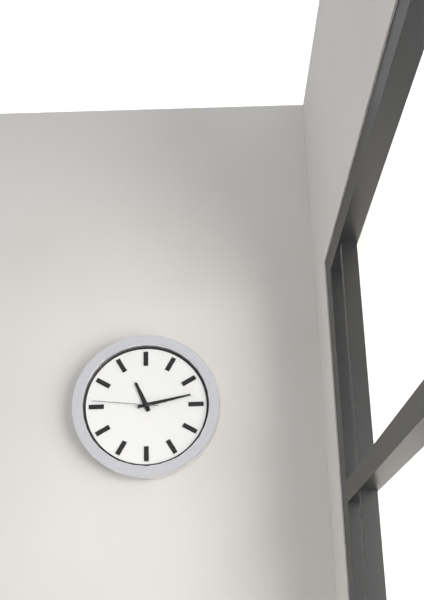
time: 11:13:46
